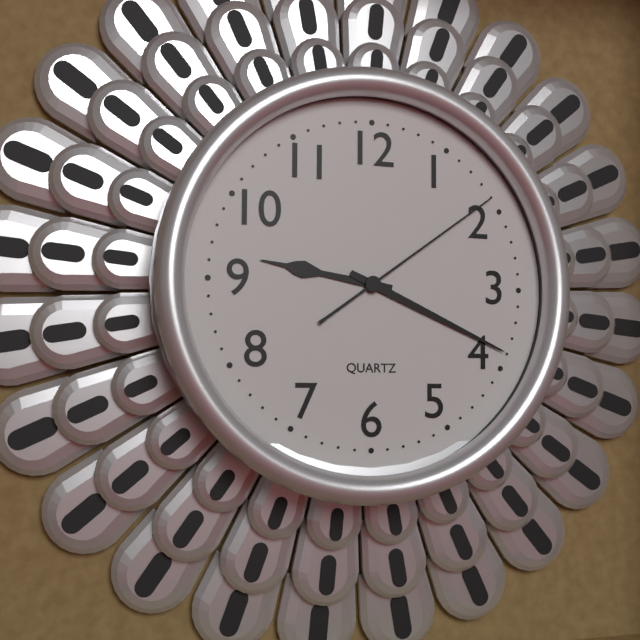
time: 9:19:09
